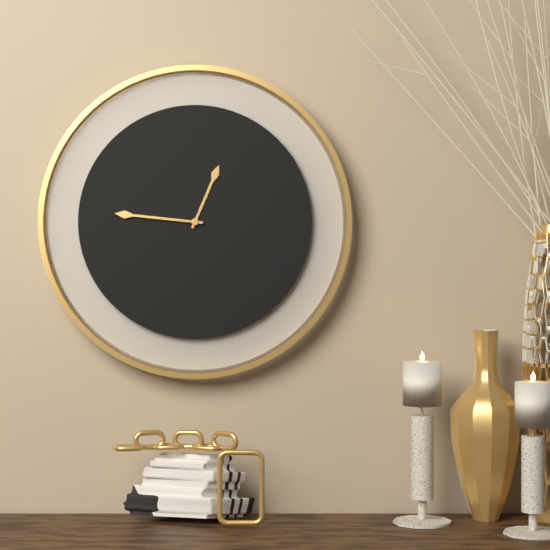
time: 12:46
